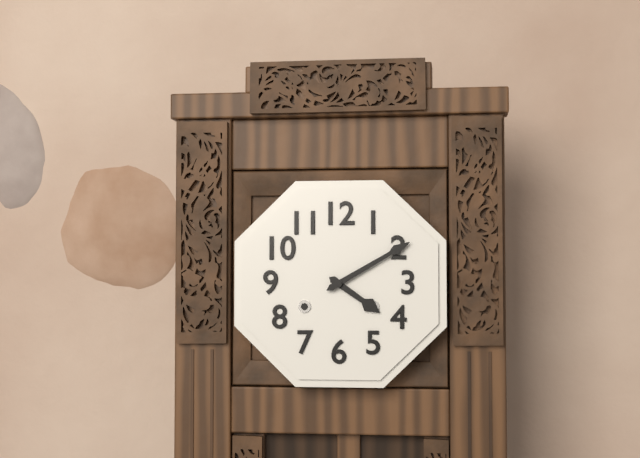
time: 4:10
